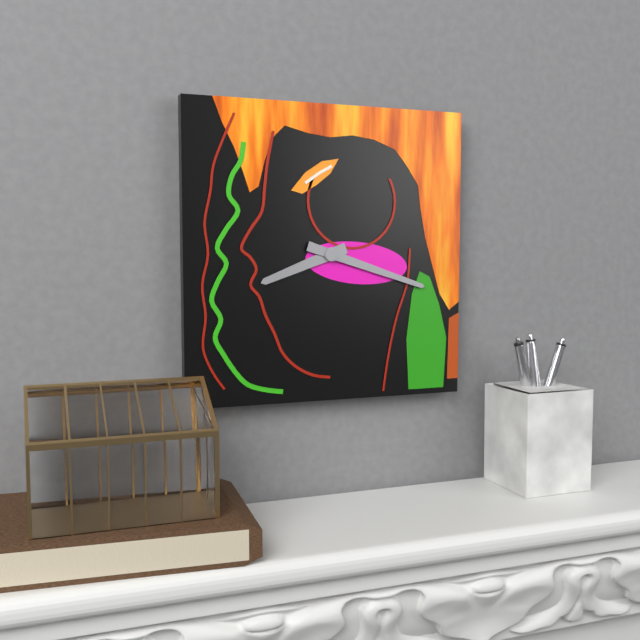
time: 8:18
